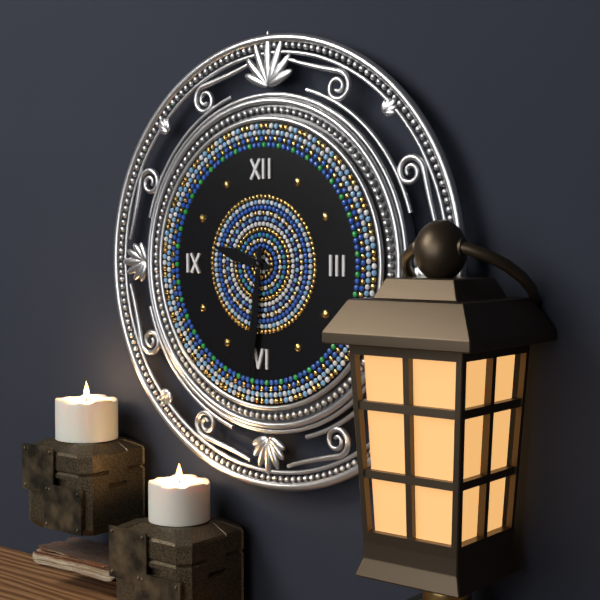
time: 9:31
